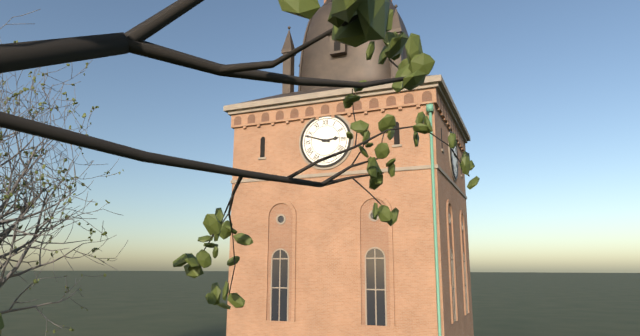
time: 2:48
